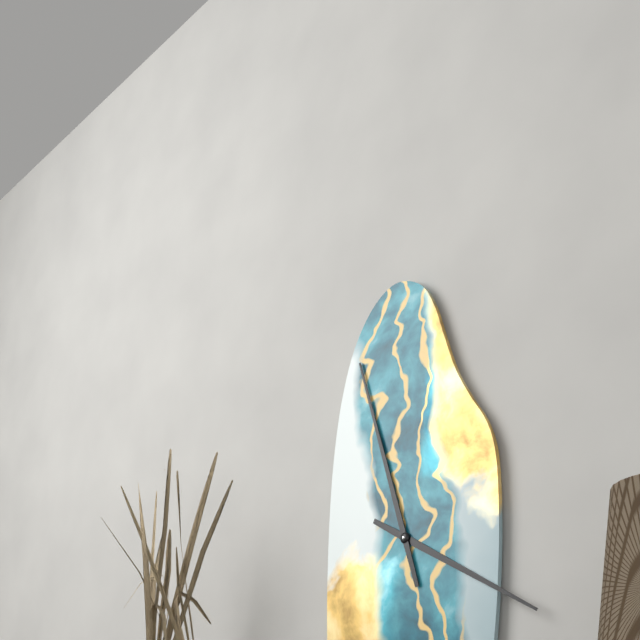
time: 3:57
